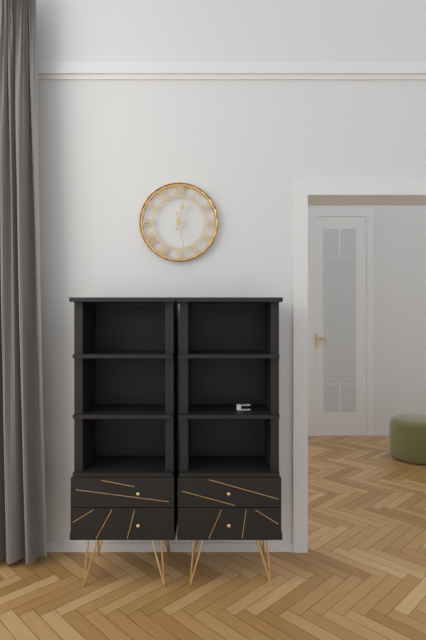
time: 12:28
